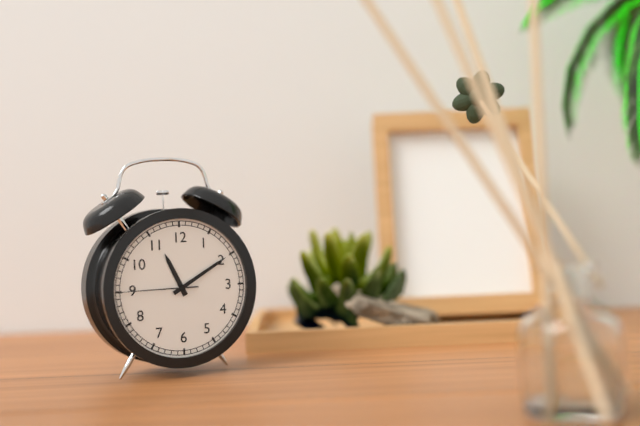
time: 11:10:45
